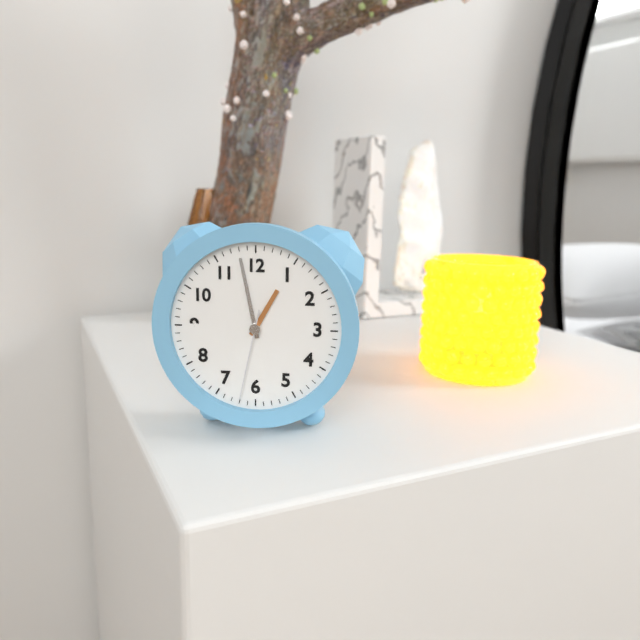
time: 12:58:32
